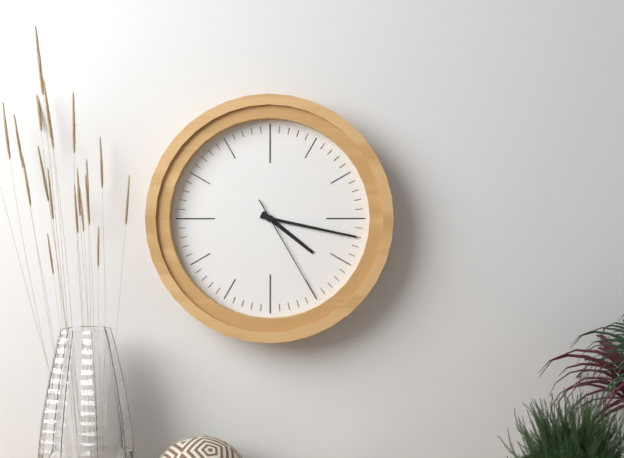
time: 4:17:25
